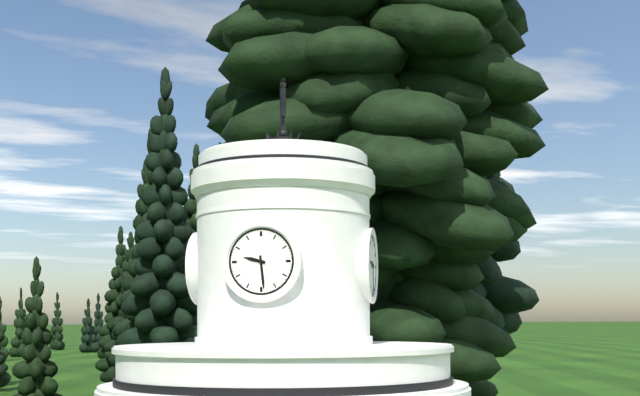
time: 9:29
